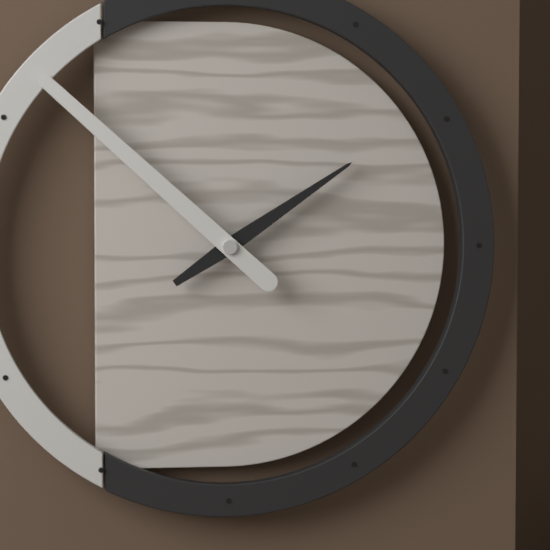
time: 1:52
